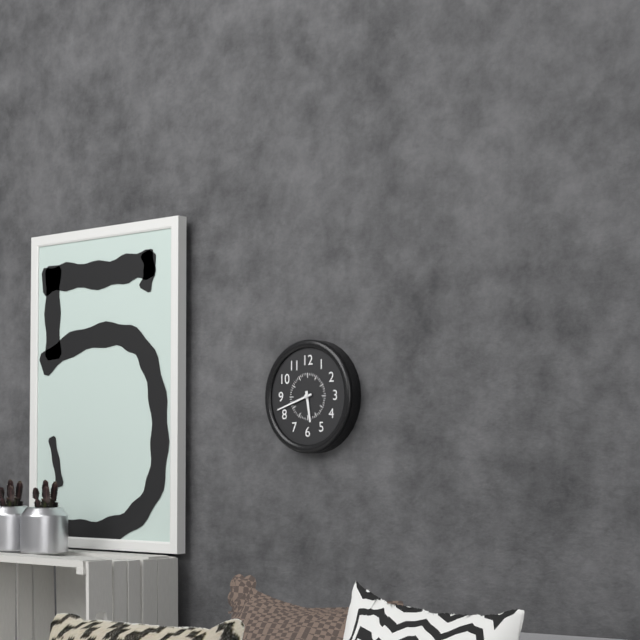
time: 5:42
